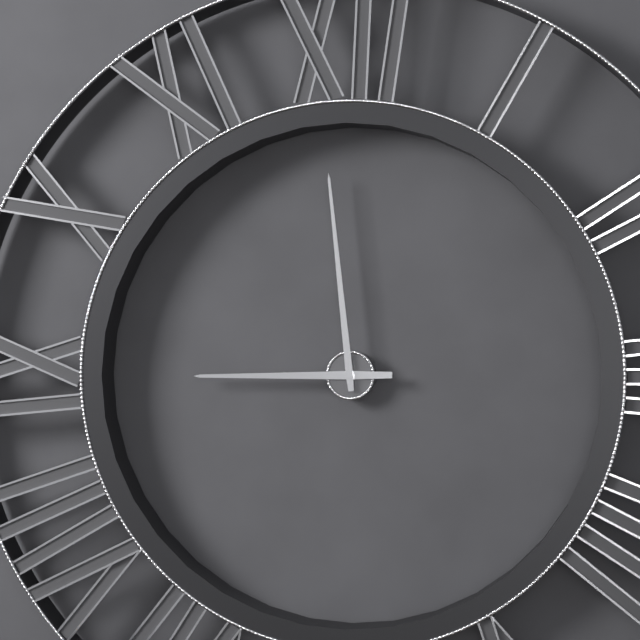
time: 8:59
